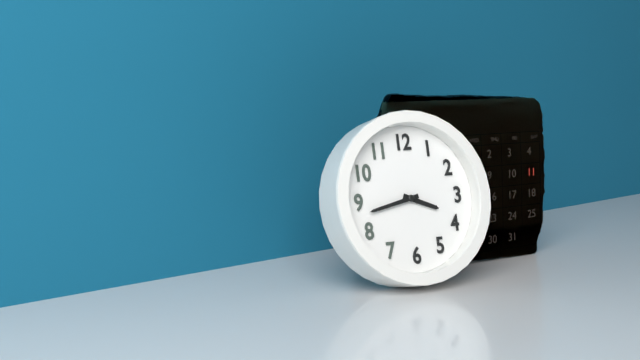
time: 3:43
